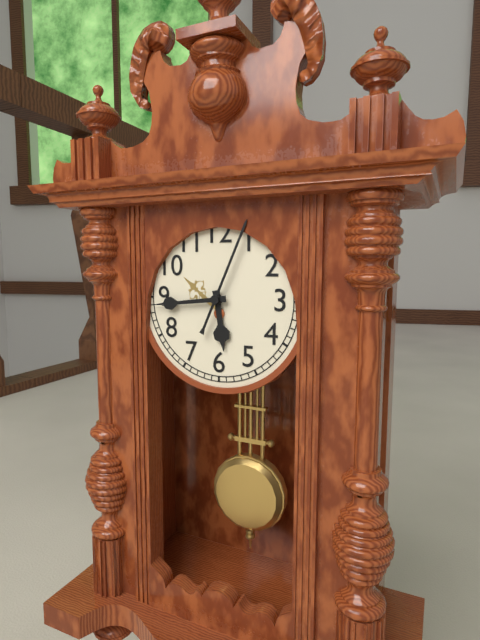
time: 5:44:04
